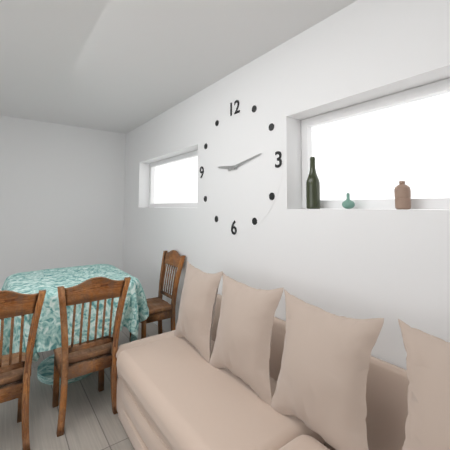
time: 9:13
